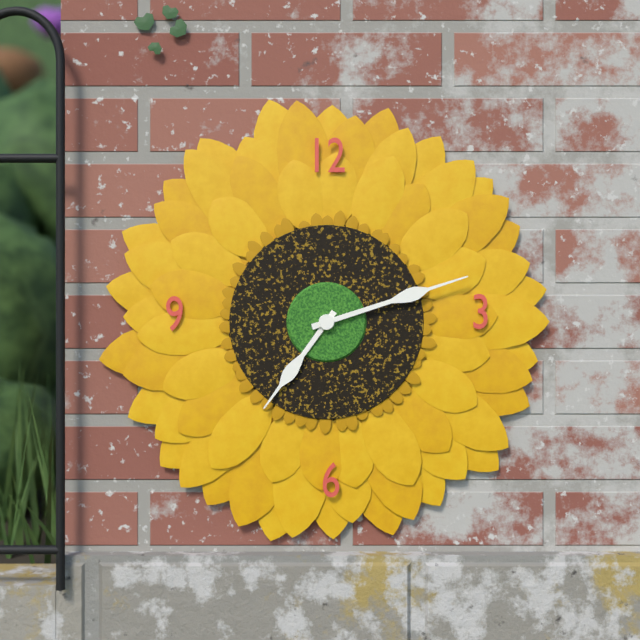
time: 7:12
